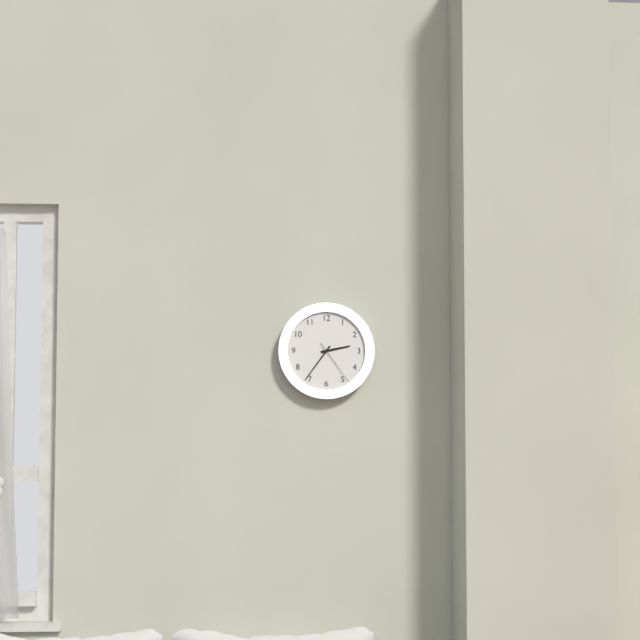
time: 2:36
